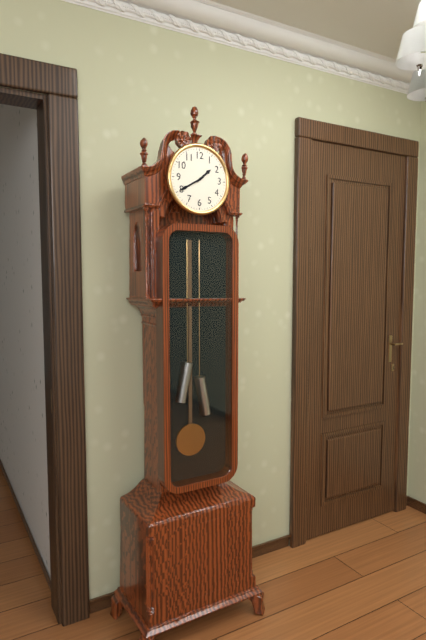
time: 1:40
